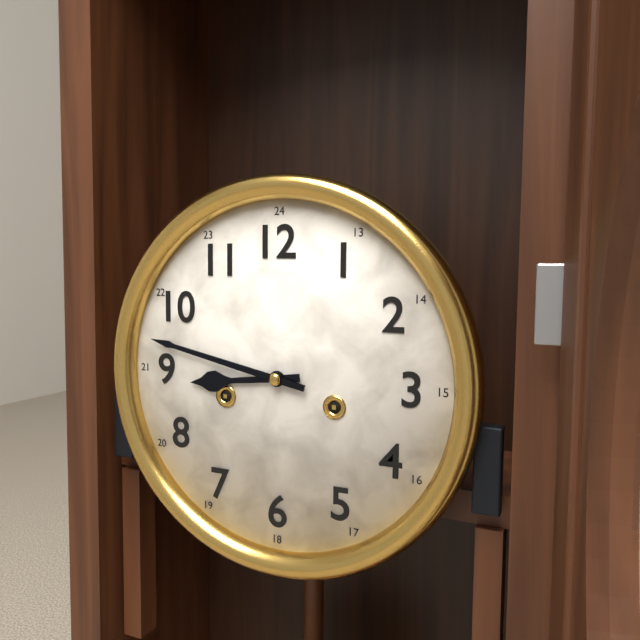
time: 8:47
